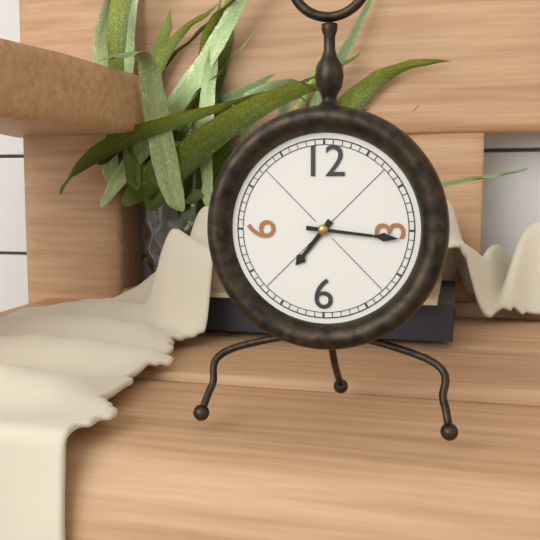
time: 7:16
